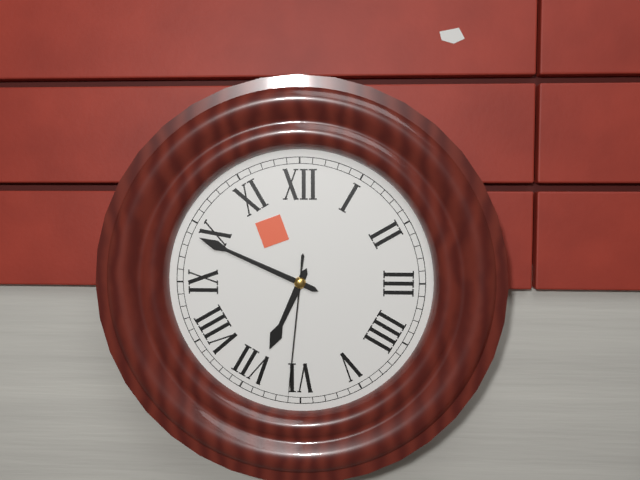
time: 6:49:31
